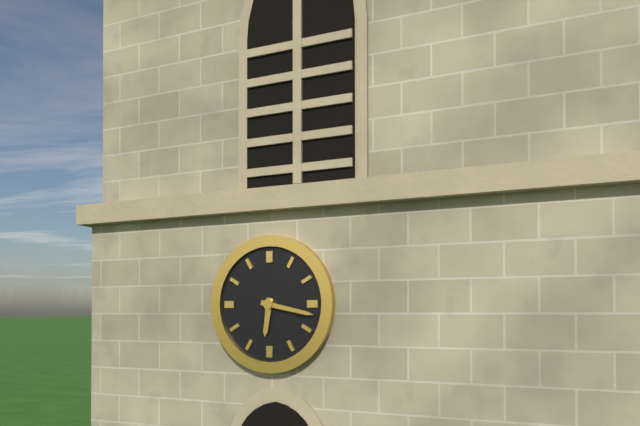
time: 6:17
